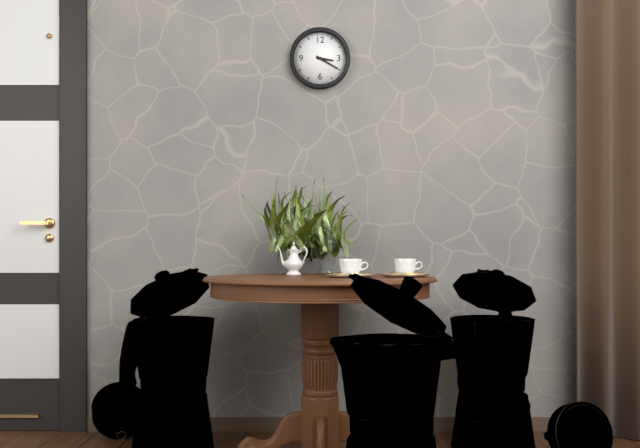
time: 3:20
